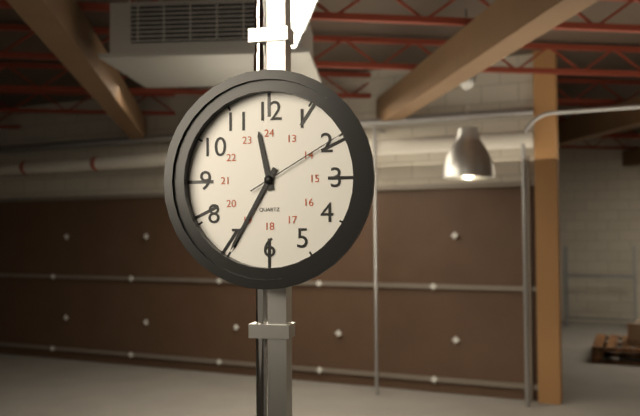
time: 11:35:10
